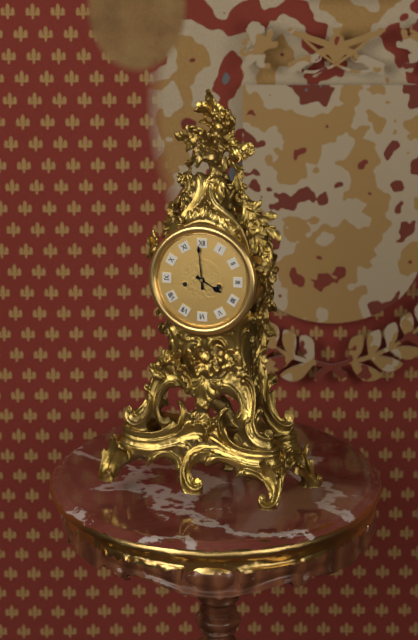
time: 3:59
